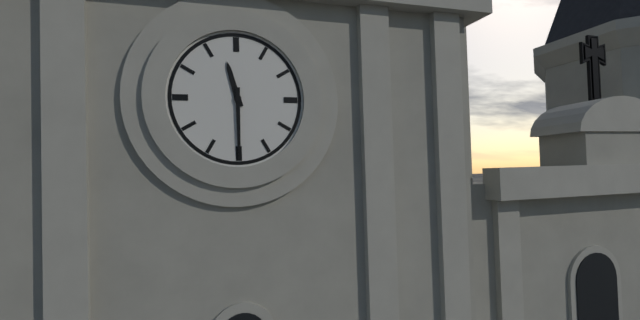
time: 11:30
